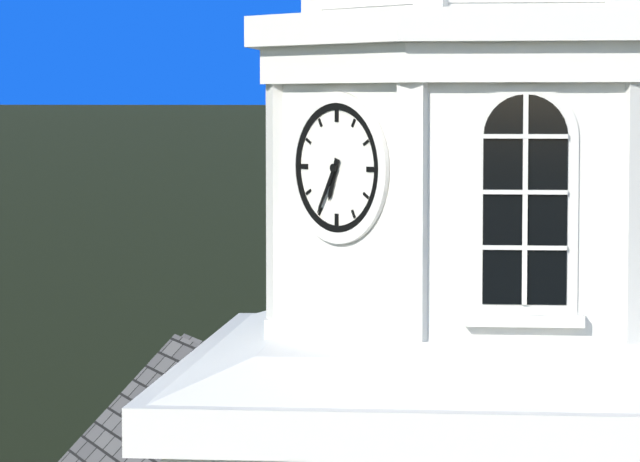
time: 6:35
